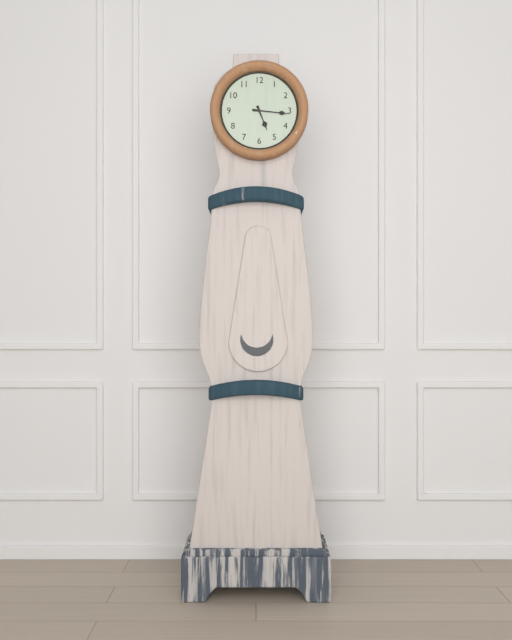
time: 5:16
